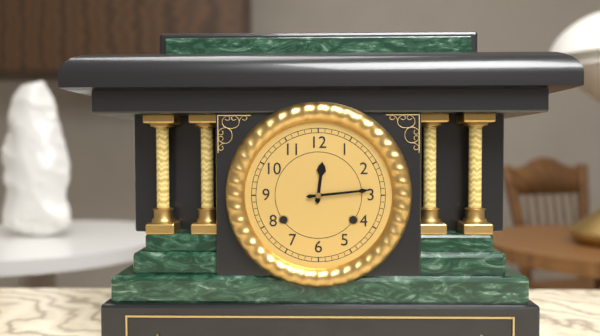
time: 12:14
